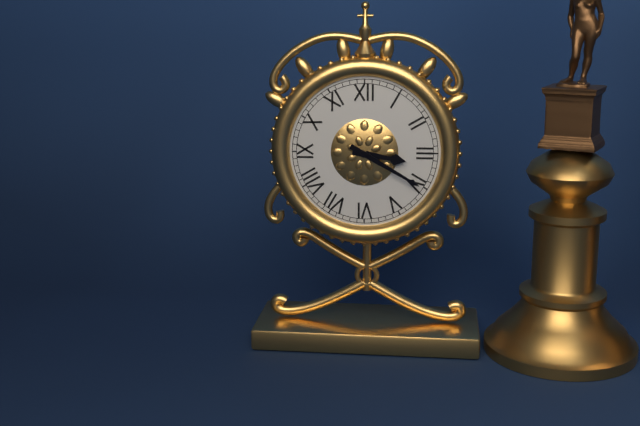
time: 3:20
